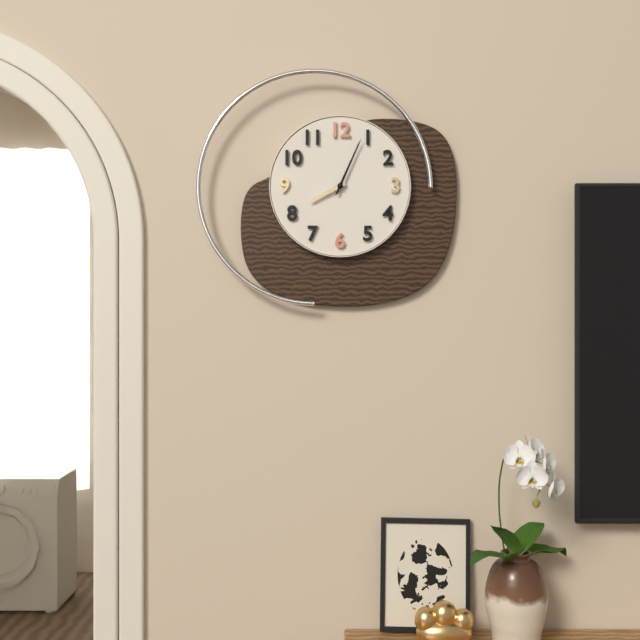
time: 8:04
